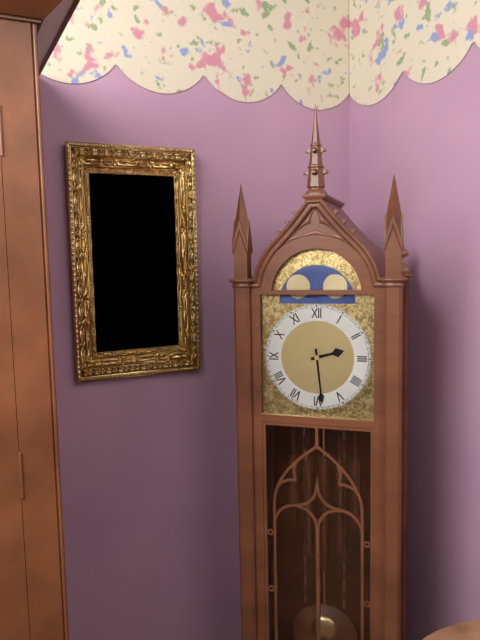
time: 2:29
